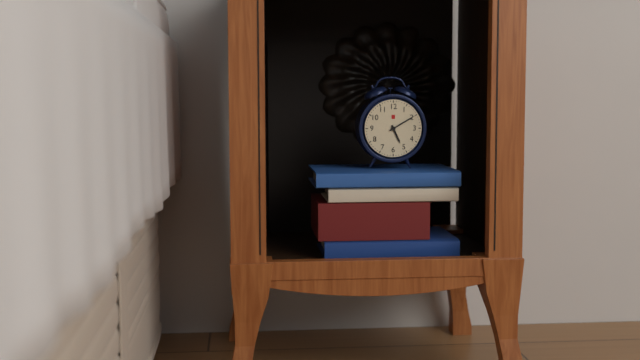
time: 5:10
